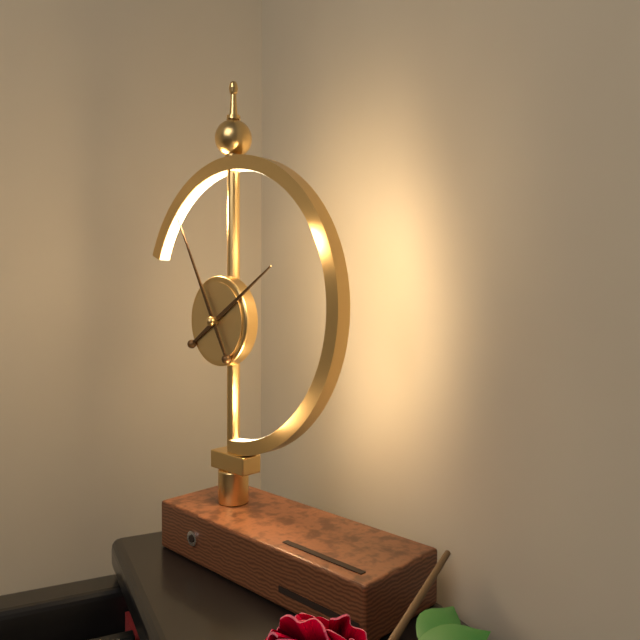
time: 1:55
